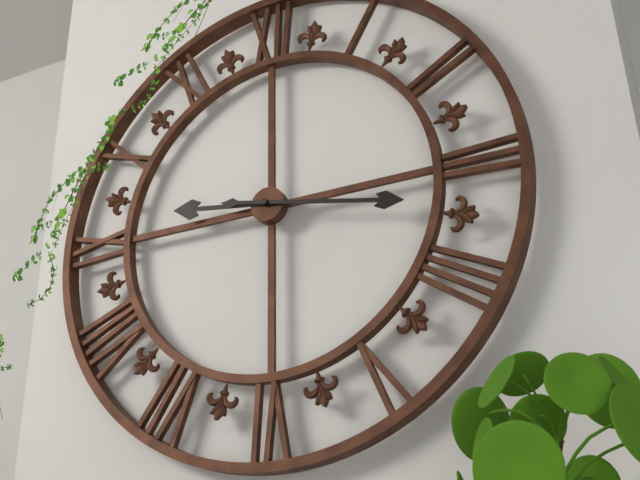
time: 9:17
